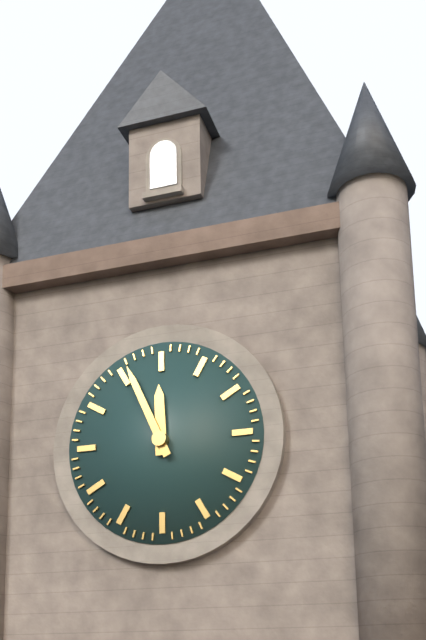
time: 11:56
